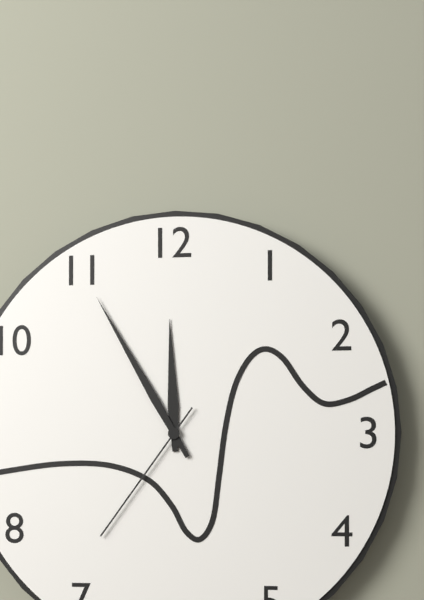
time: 11:55:36
